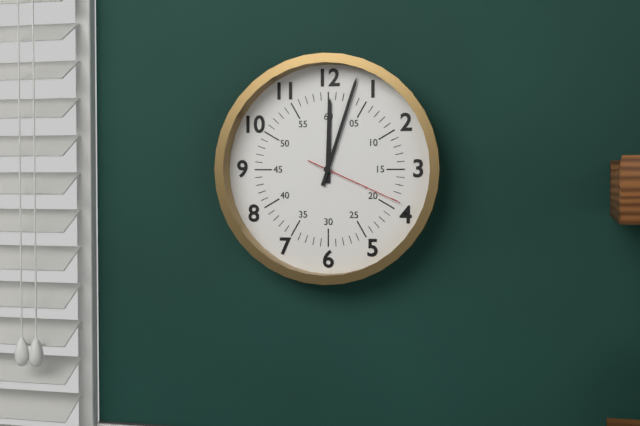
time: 12:03:19
